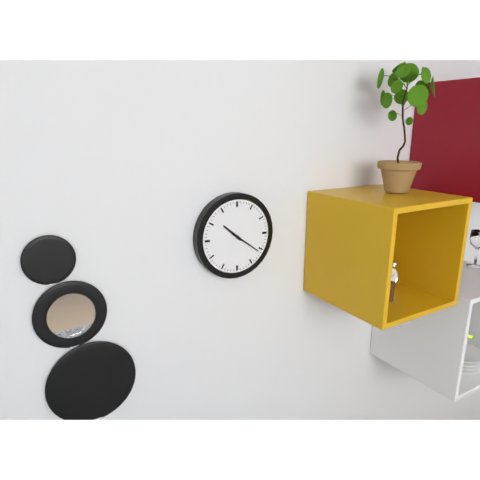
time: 10:21
